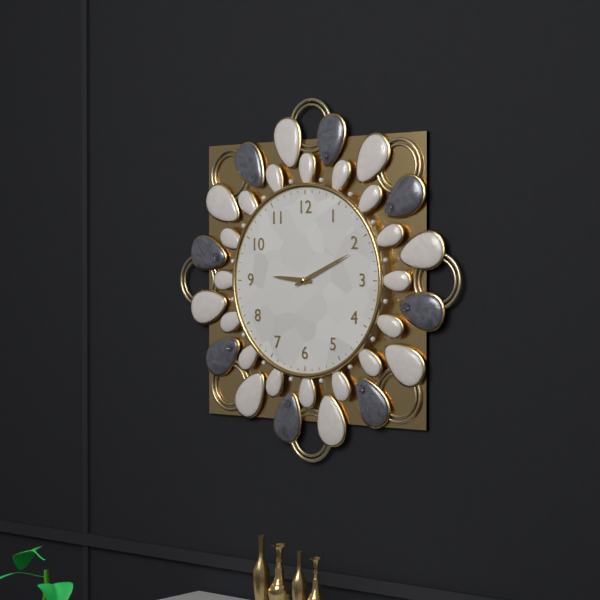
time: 9:11
